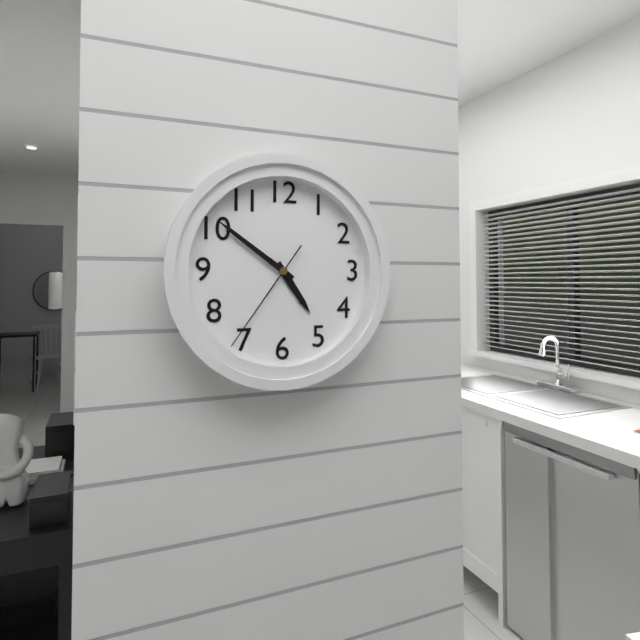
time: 4:51:36
